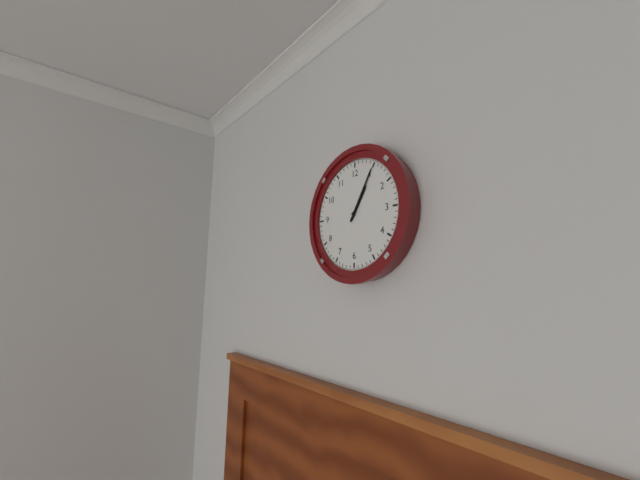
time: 1:05
